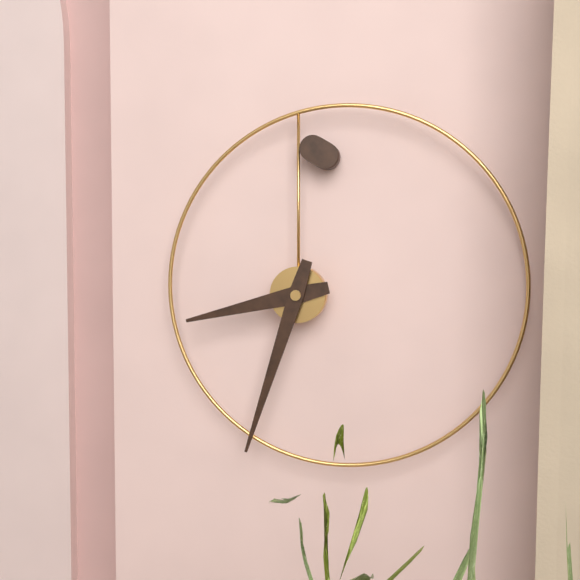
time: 8:33
